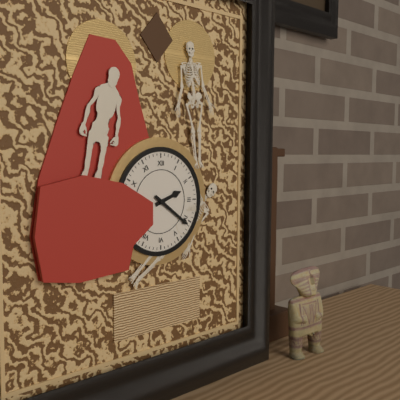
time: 2:21
